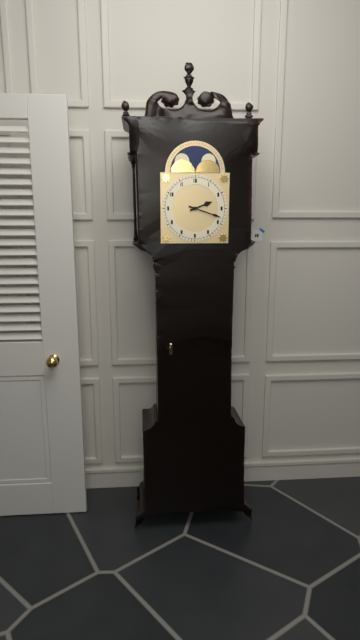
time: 2:18
